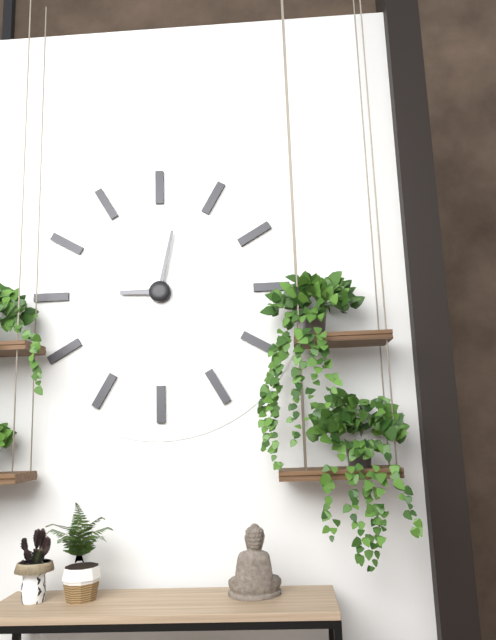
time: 9:02
